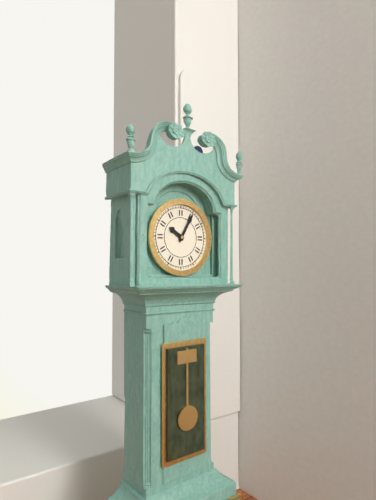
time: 10:05
